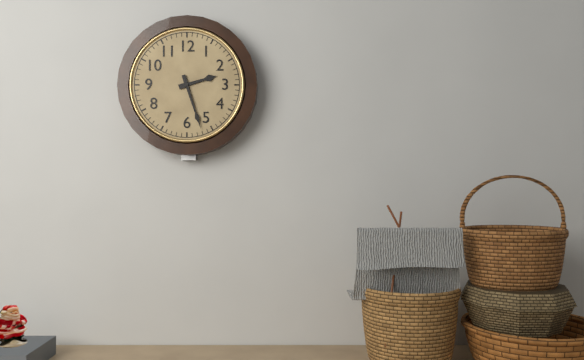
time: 2:27
